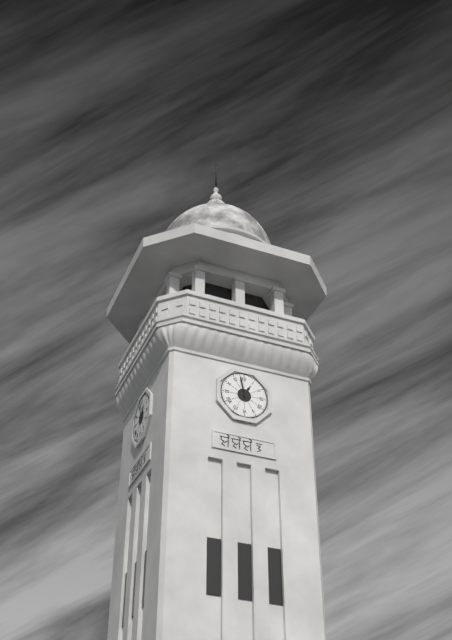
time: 12:58
